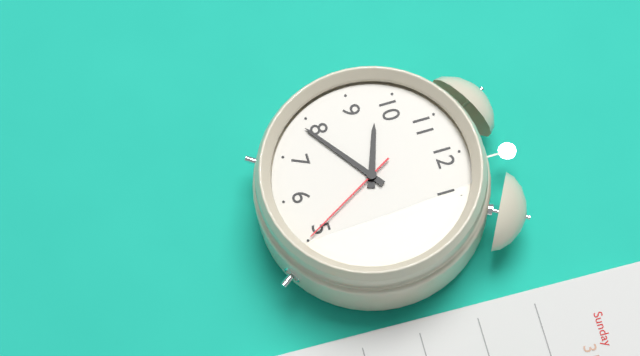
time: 9:39:25
